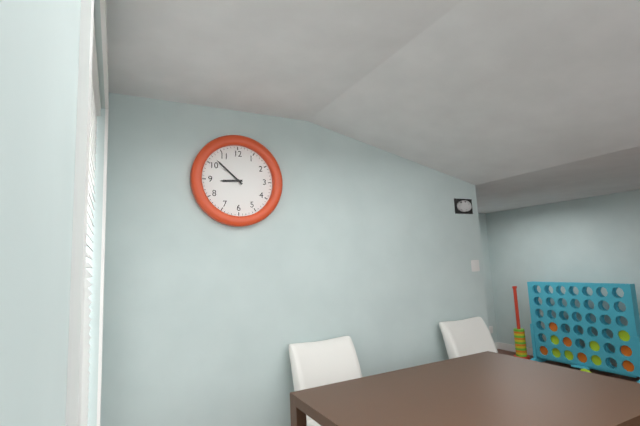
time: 8:52
